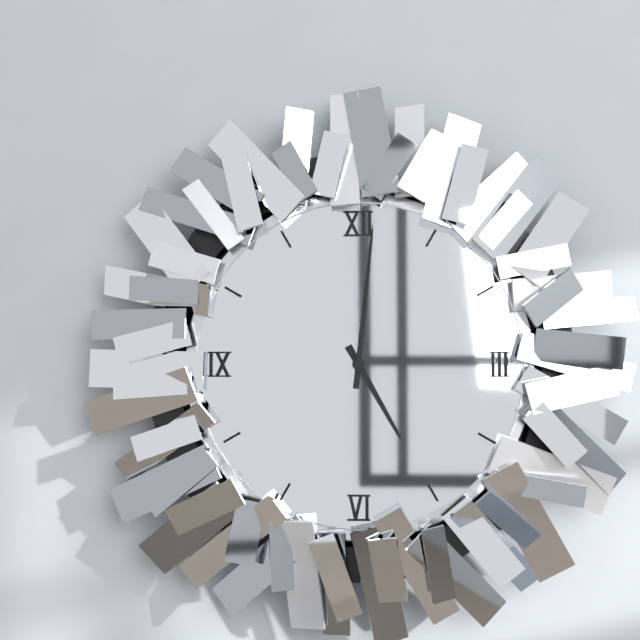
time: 5:01
